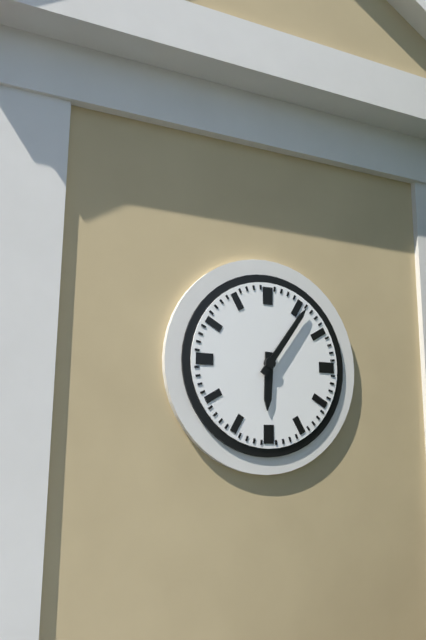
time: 6:06
